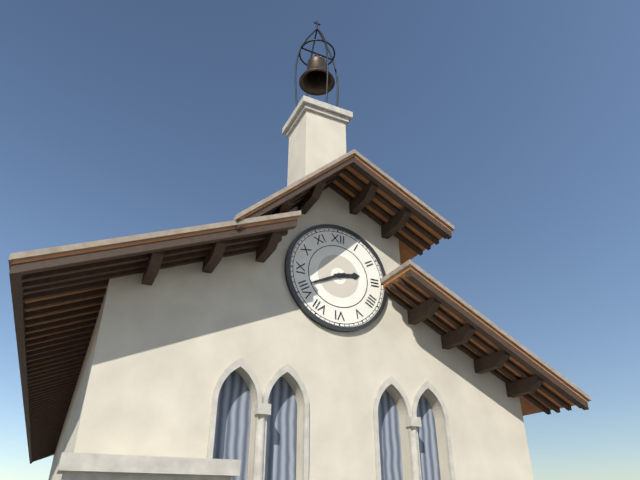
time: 2:41
